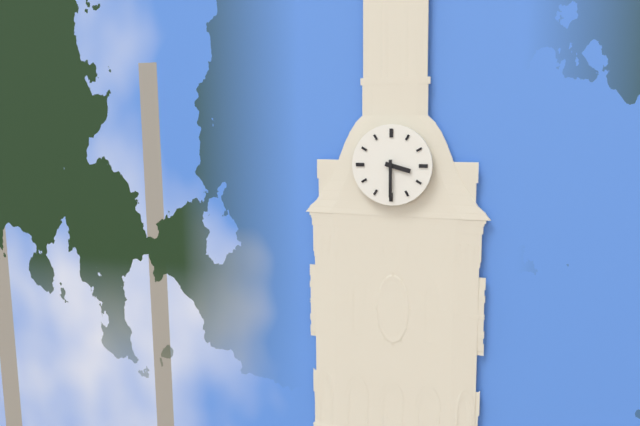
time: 3:30
